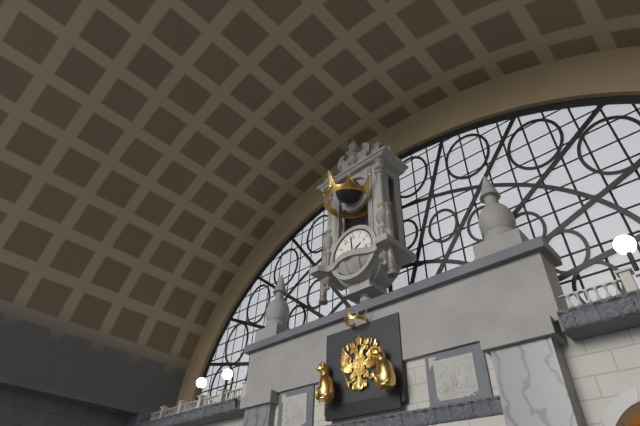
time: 1:59
